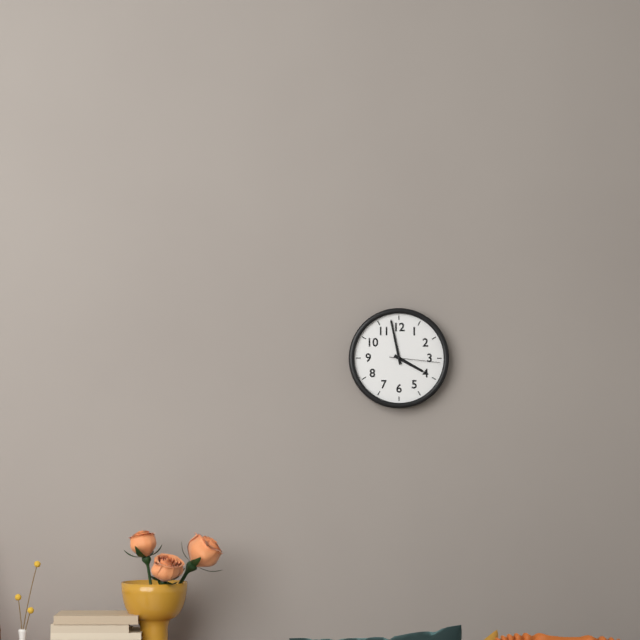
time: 3:58:16
